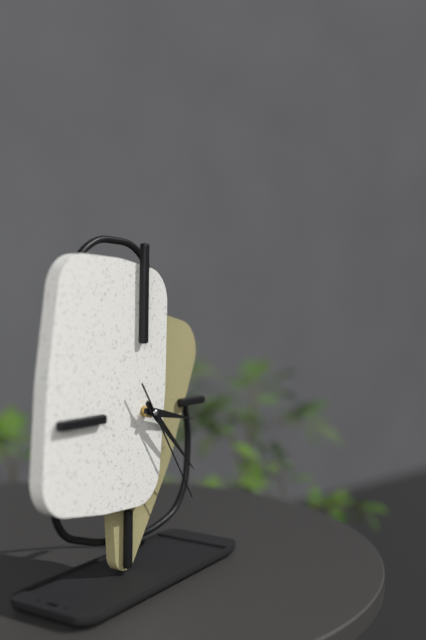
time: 3:22:24
